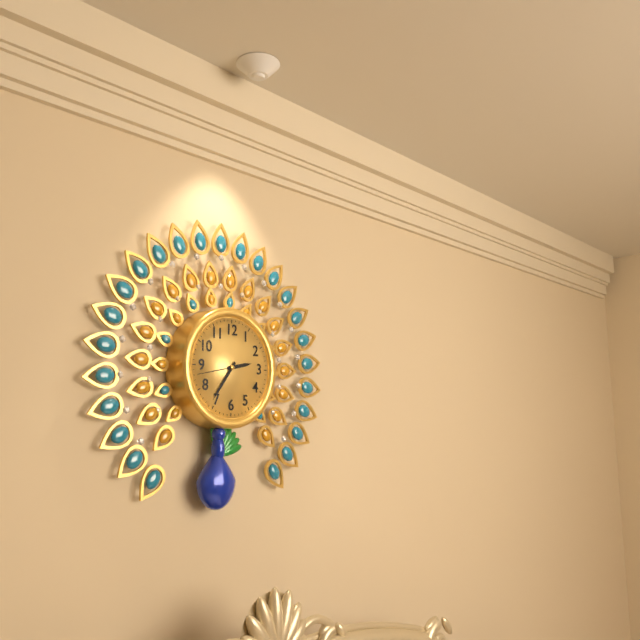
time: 2:36
